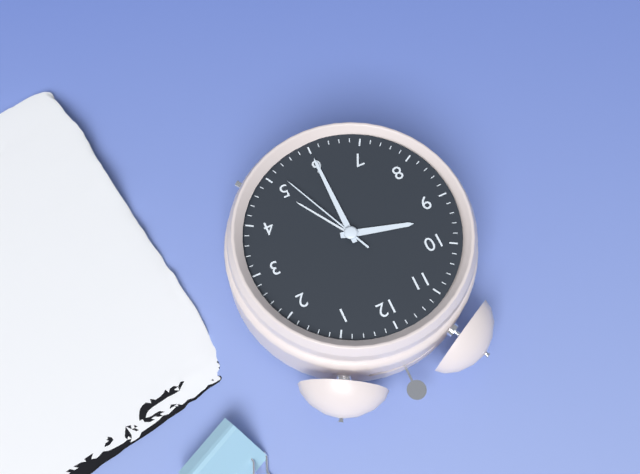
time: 9:30:26
